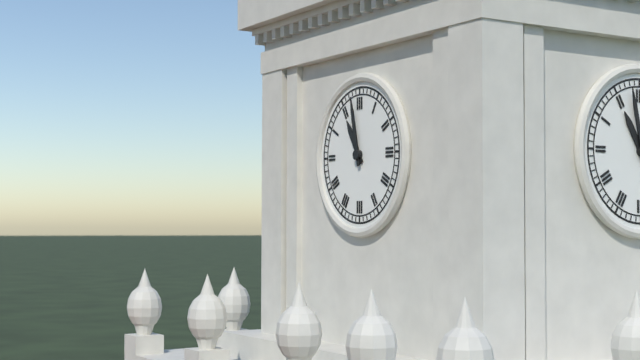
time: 10:58
